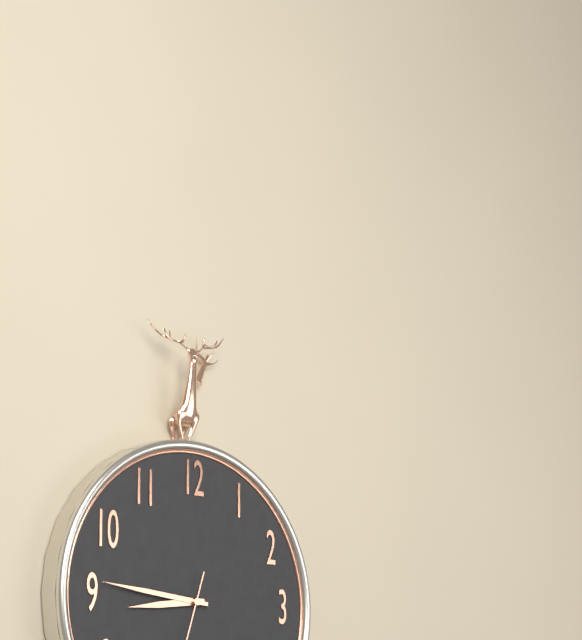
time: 8:46
